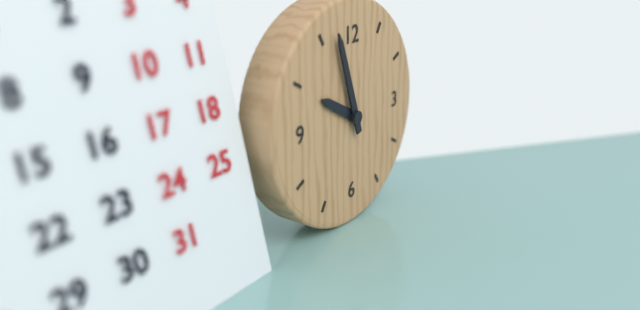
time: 9:57
